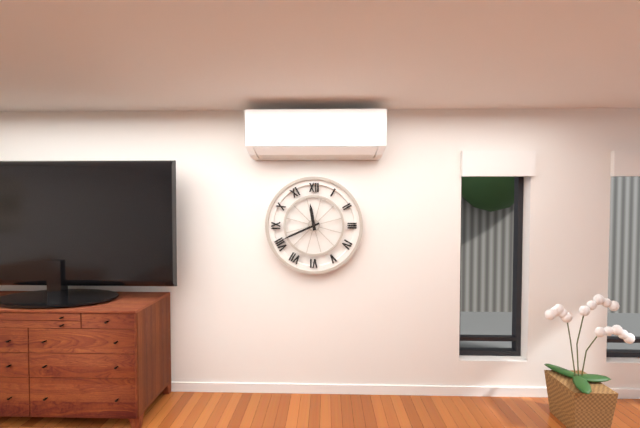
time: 11:41
